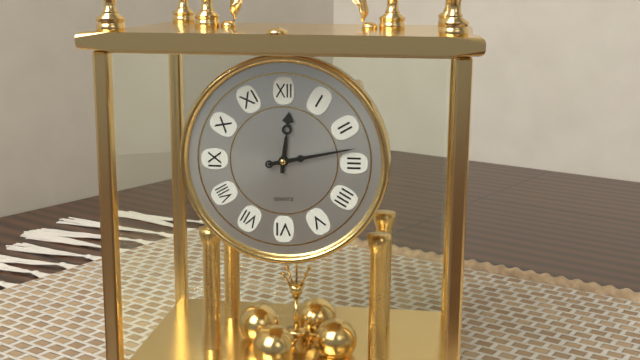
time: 12:13
